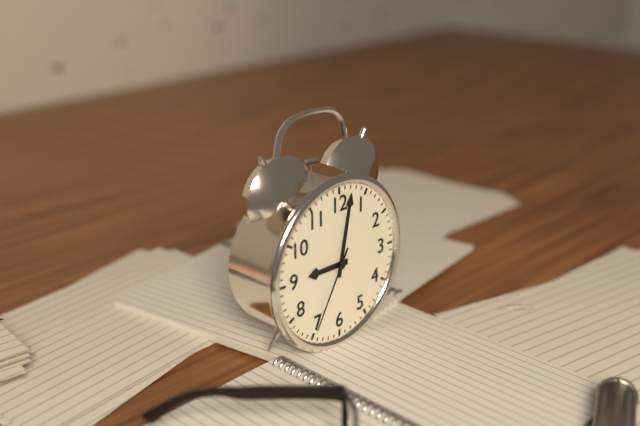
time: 9:02:35
